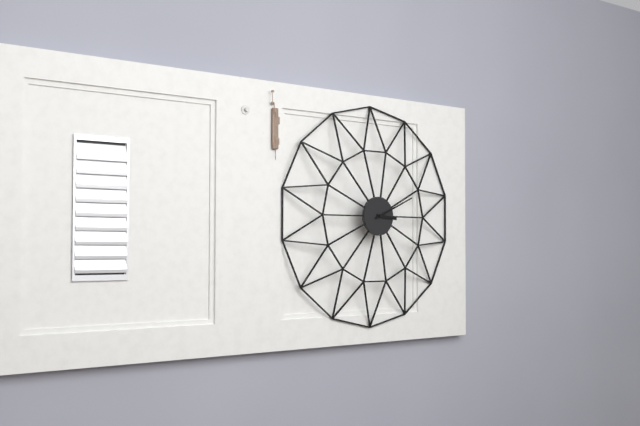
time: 3:11
